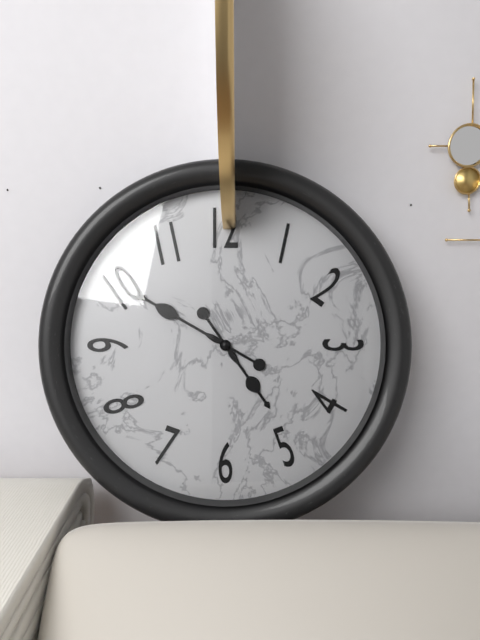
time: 4:50
